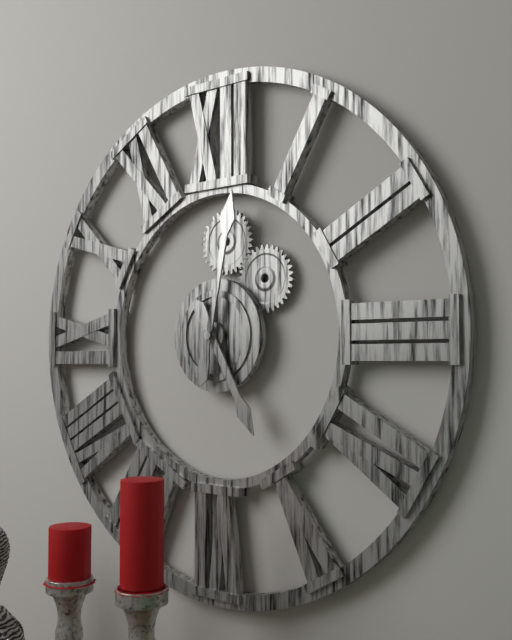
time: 5:02
